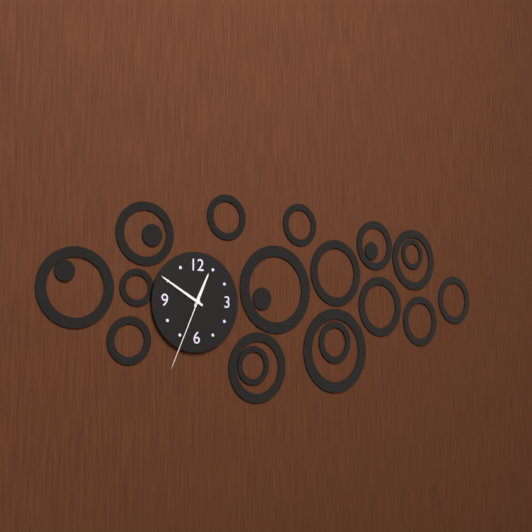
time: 12:50:34
